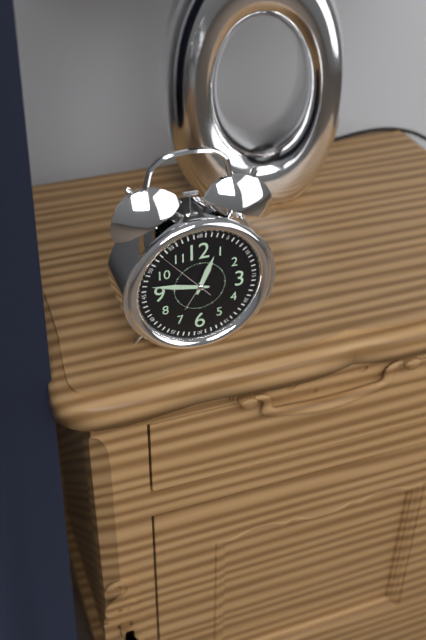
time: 12:47:53
